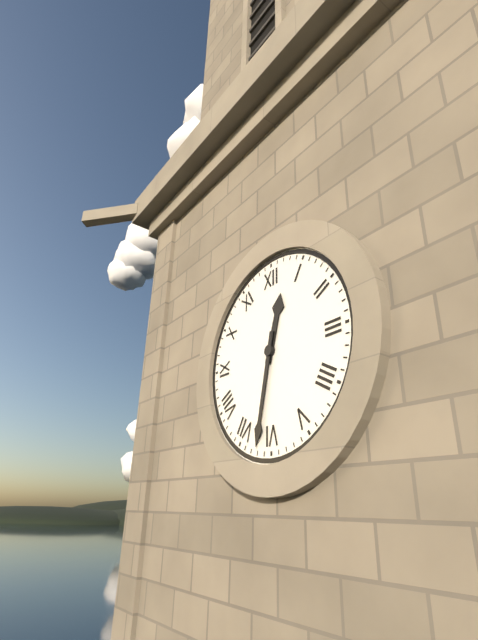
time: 12:32
